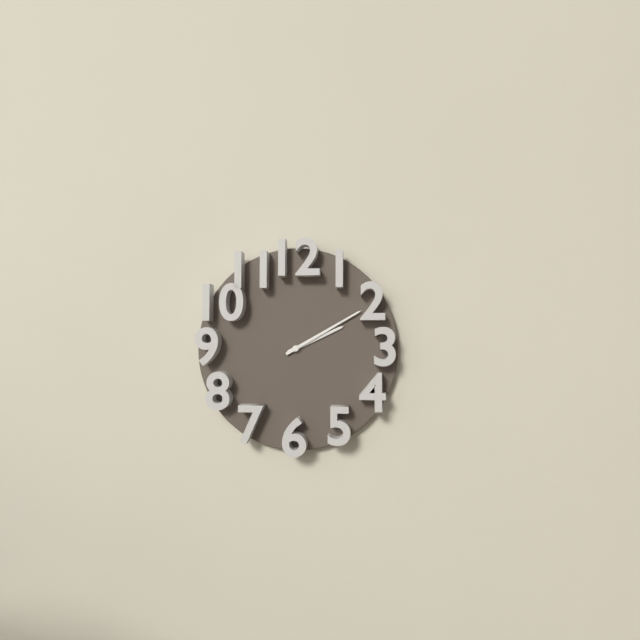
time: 2:10
